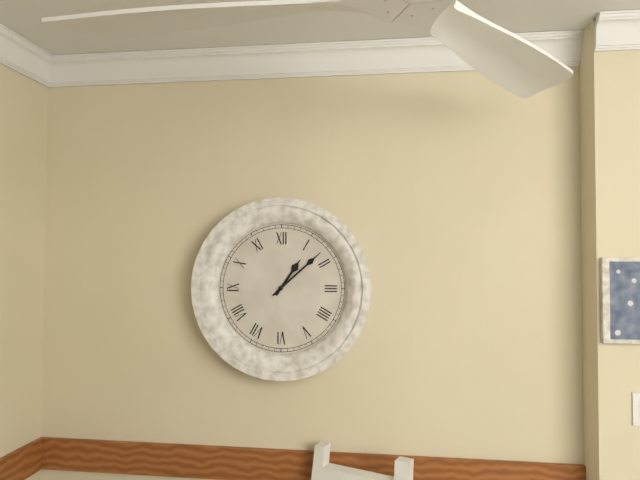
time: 1:08
